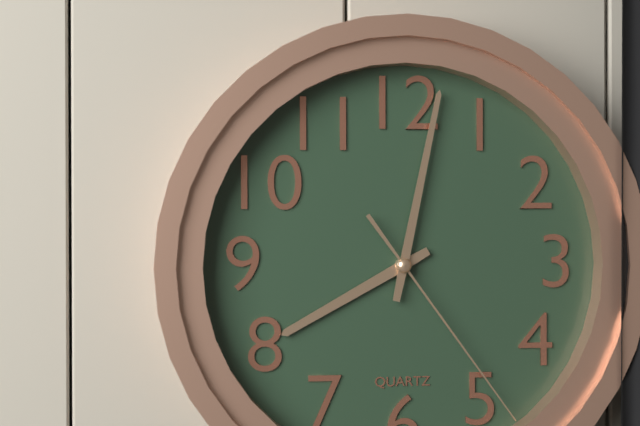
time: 8:02:24
